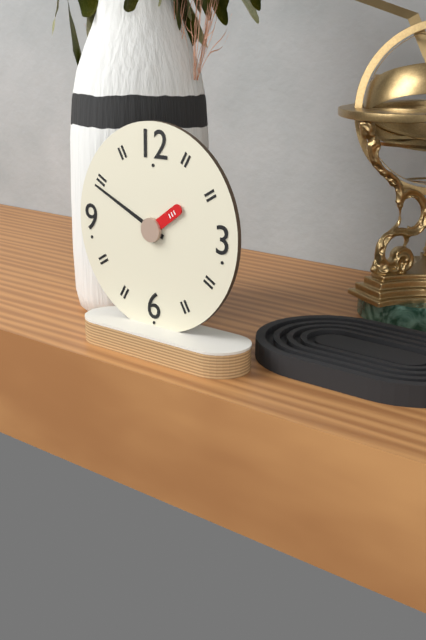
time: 1:49
